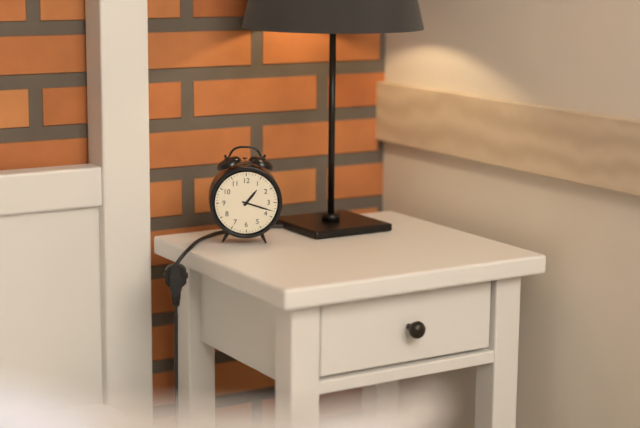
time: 1:18
